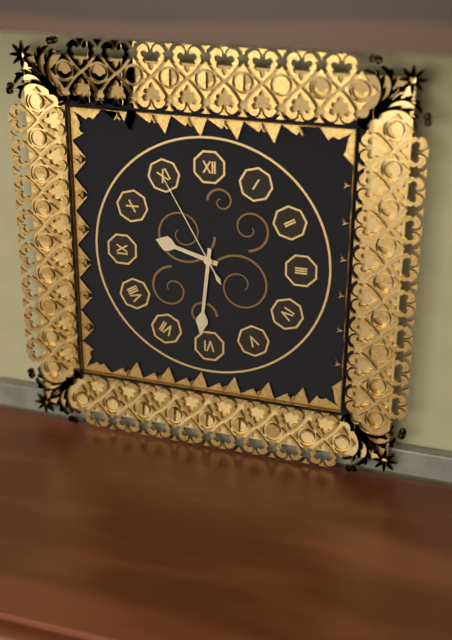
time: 9:31:55
